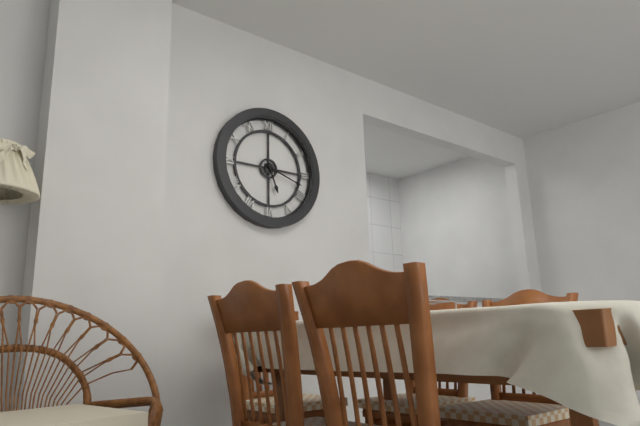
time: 5:18
